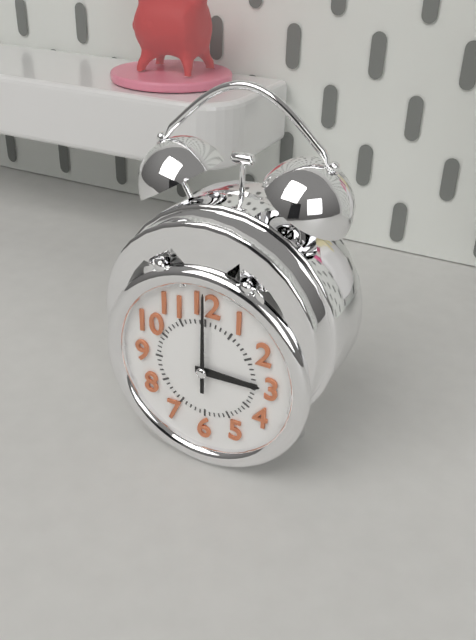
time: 3:00
